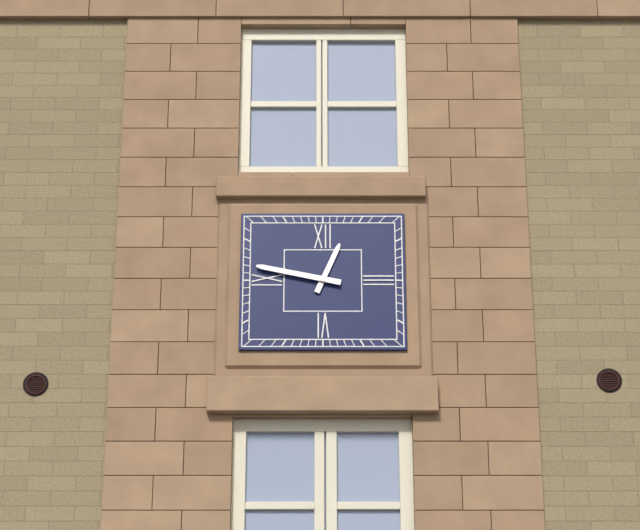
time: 12:47
